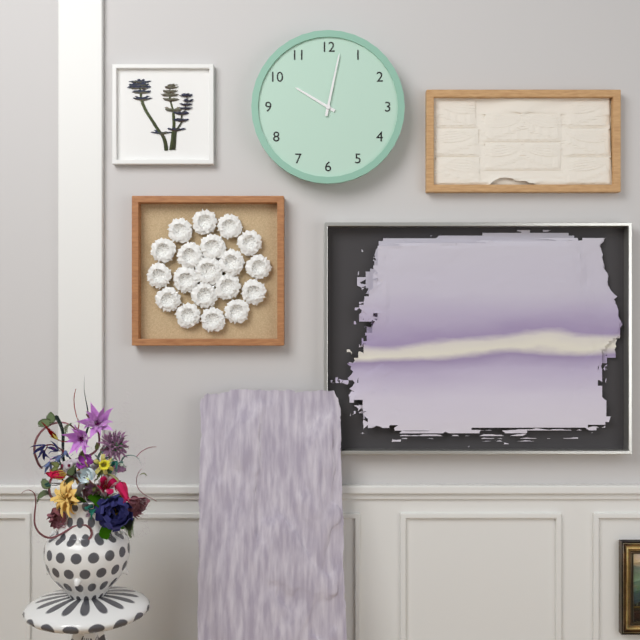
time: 10:02
